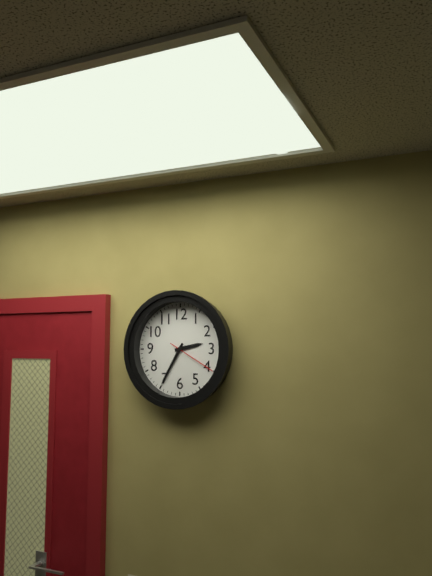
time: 2:35
